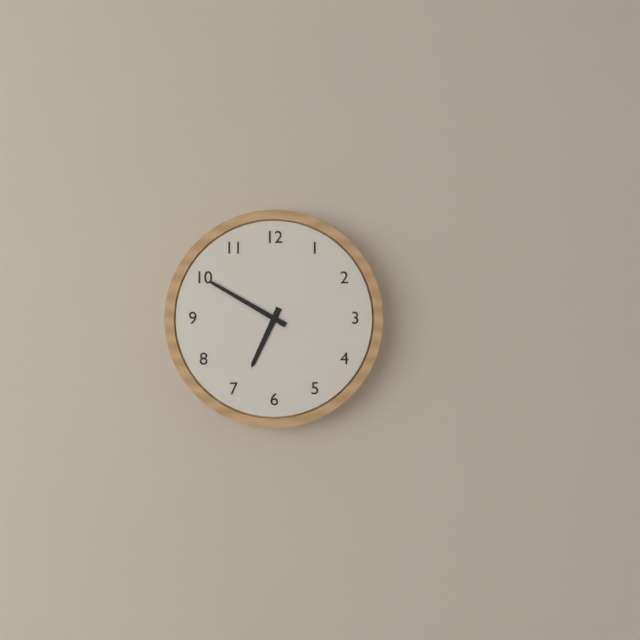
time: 6:50
